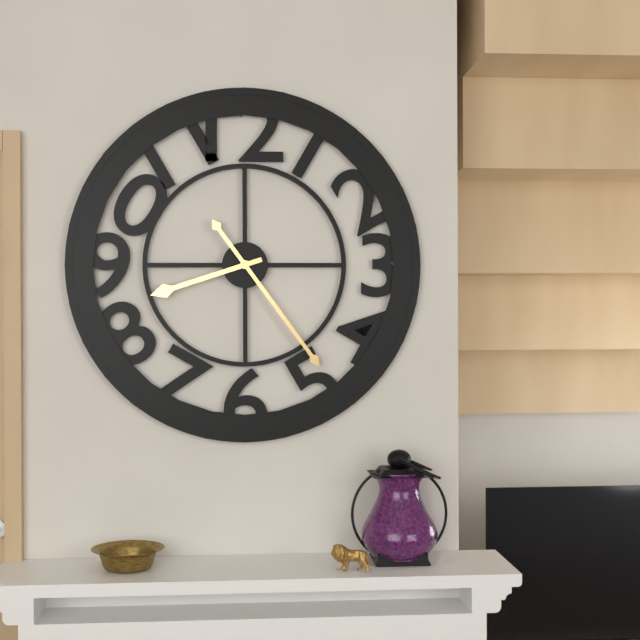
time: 8:24
